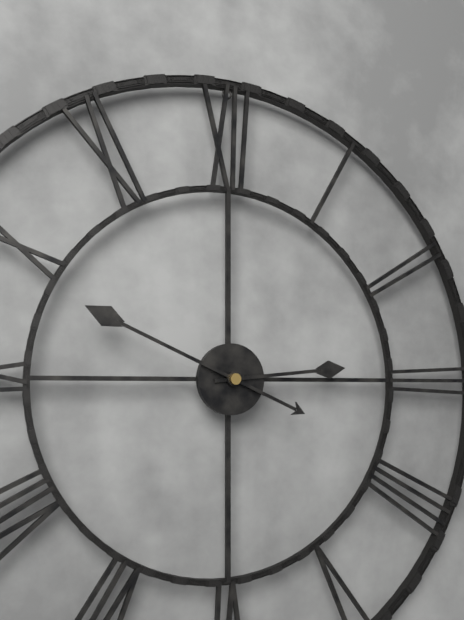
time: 2:49
